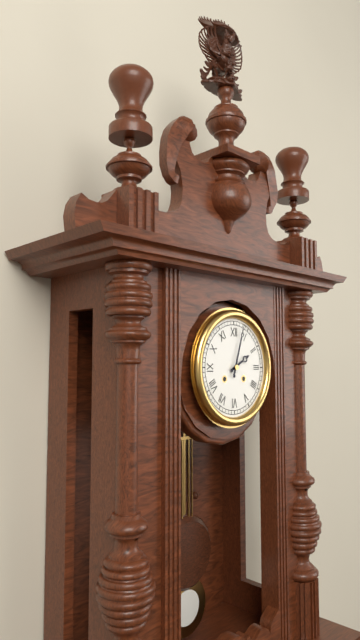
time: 2:03
